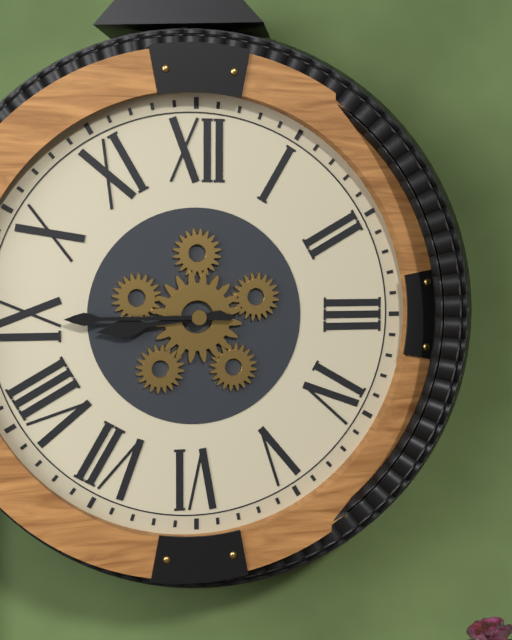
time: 8:45
